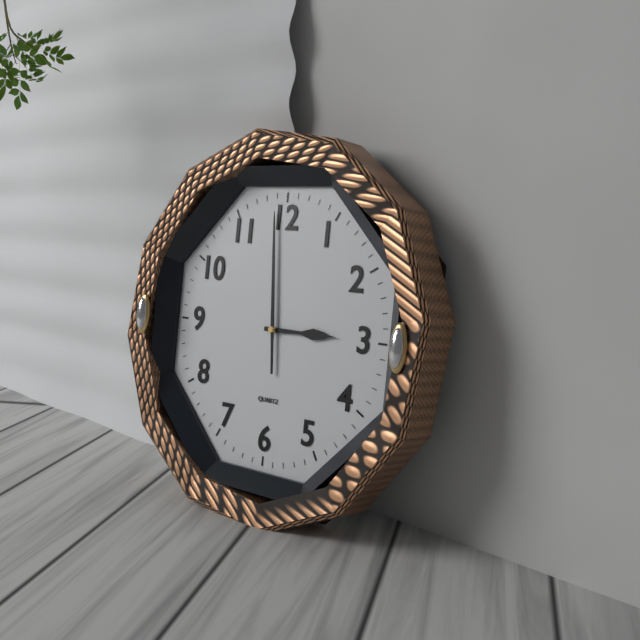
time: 2:59
